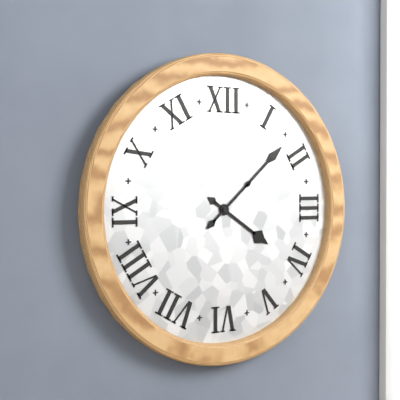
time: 4:08
